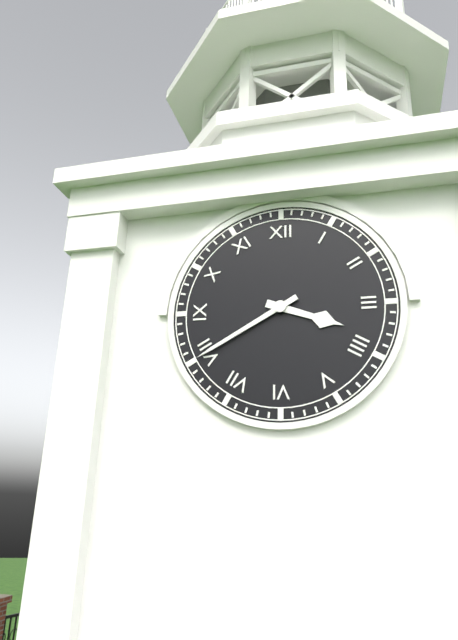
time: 3:40
